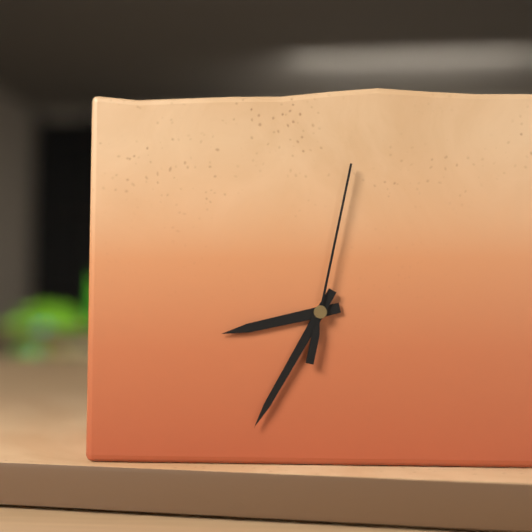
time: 8:35:02
